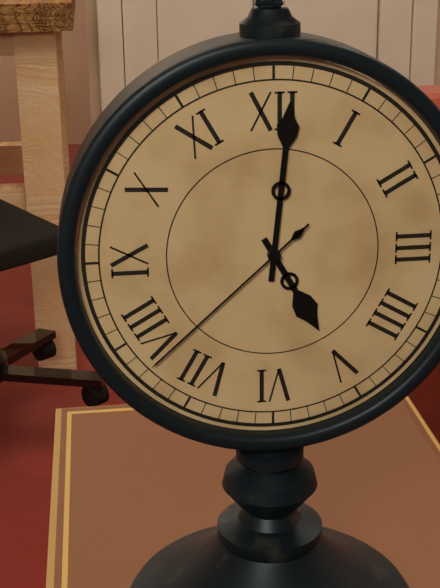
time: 5:01:38
